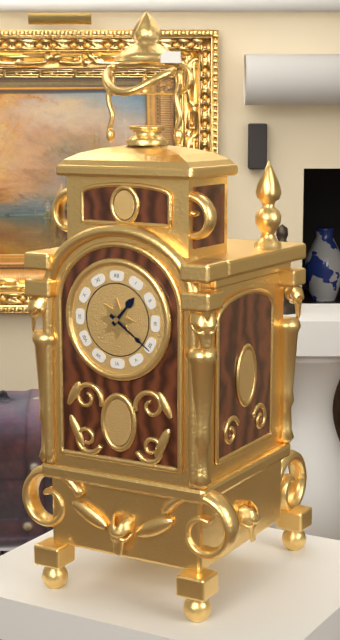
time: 1:21
